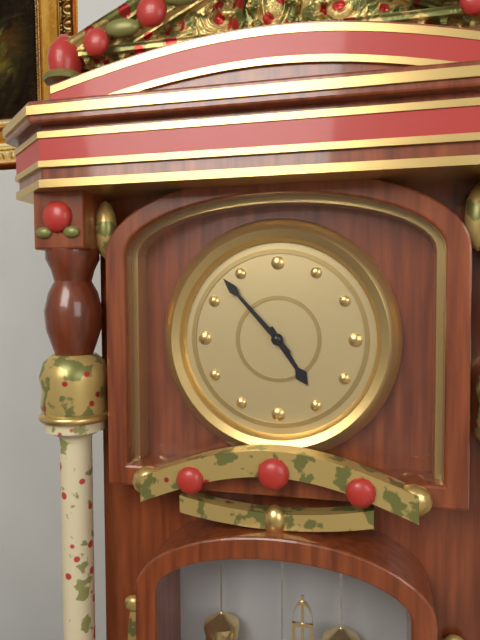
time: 4:53
